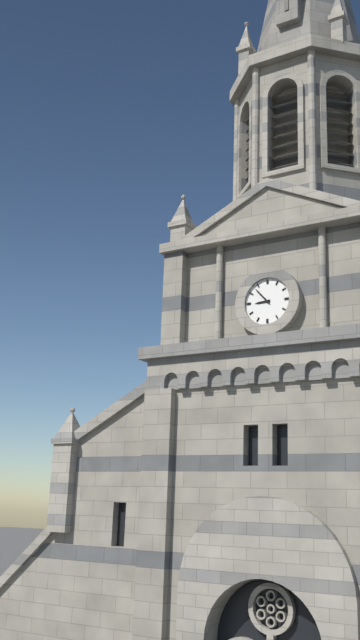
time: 8:53
